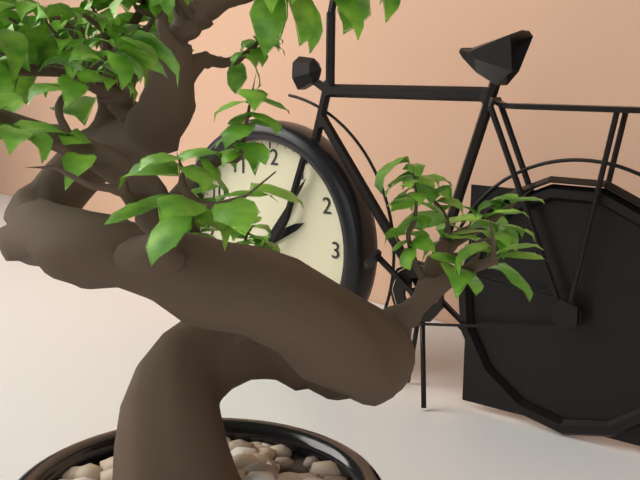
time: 2:06
